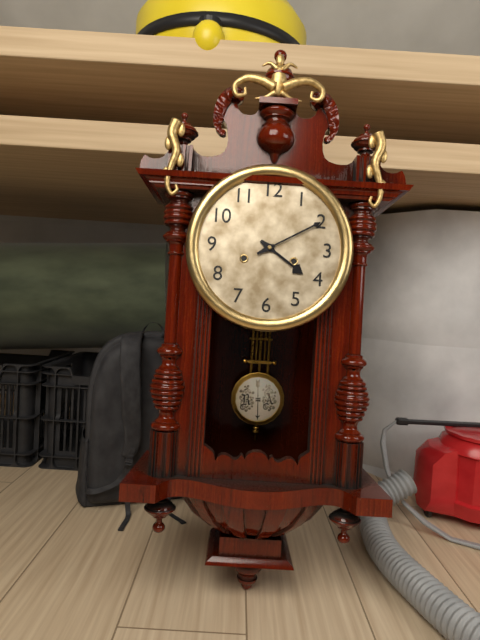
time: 4:10
